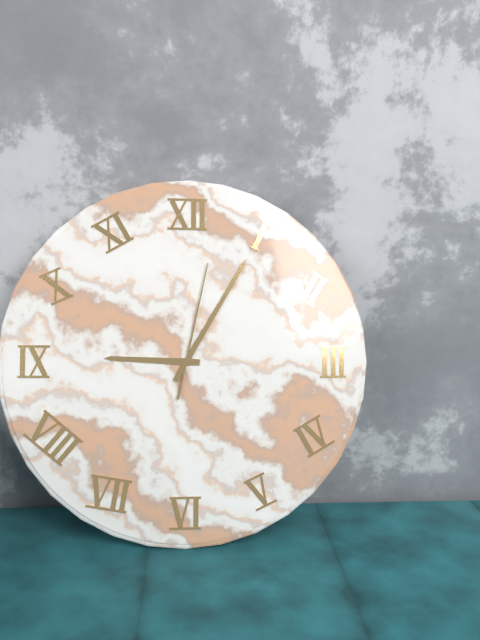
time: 9:05:02
